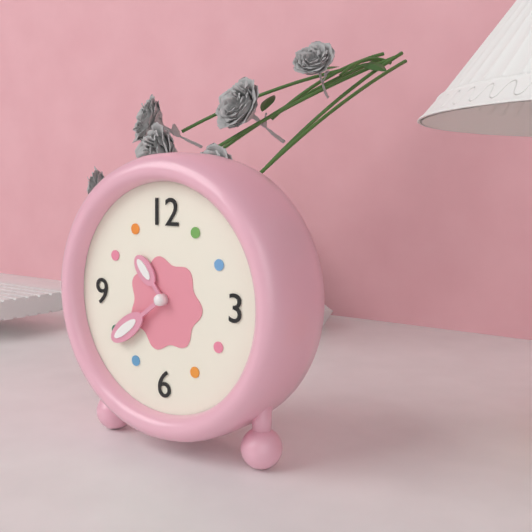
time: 10:39
